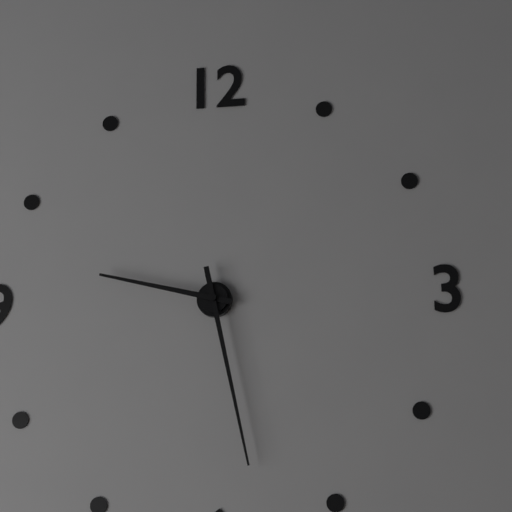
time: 9:28
